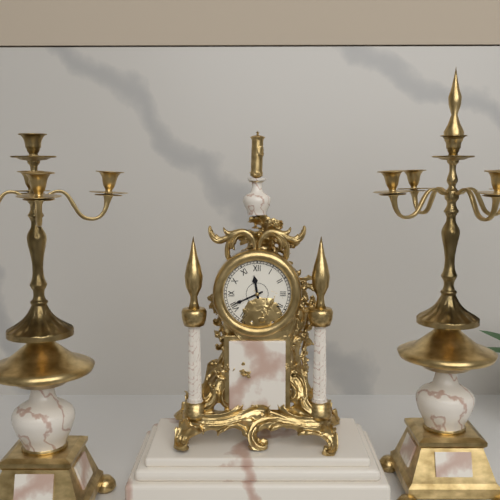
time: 11:41
